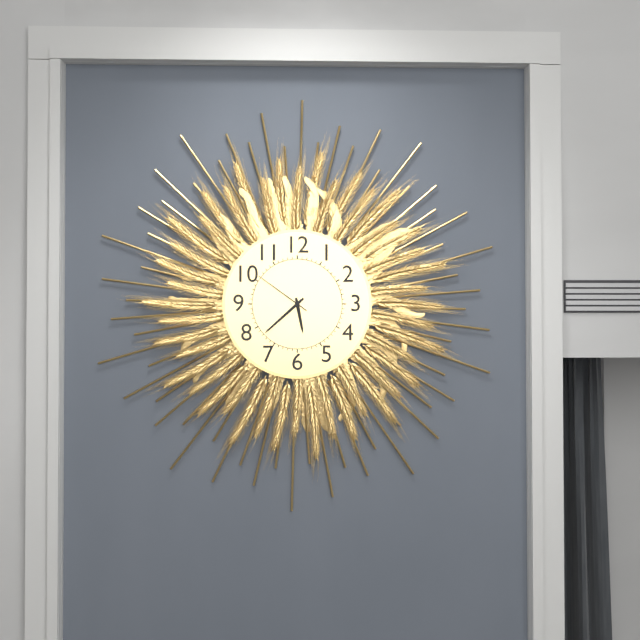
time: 5:38:51
